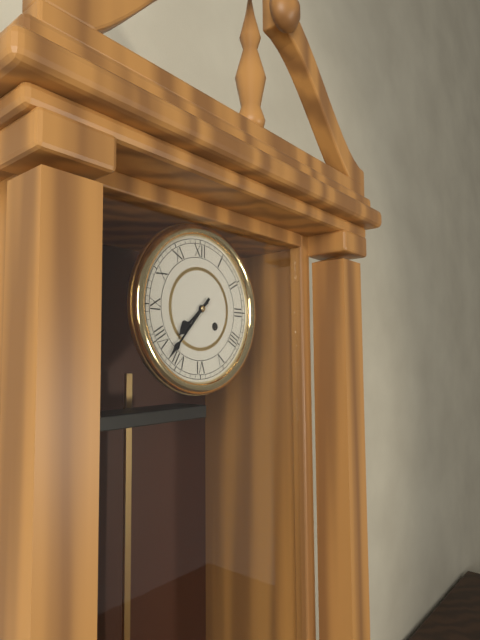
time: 7:37
